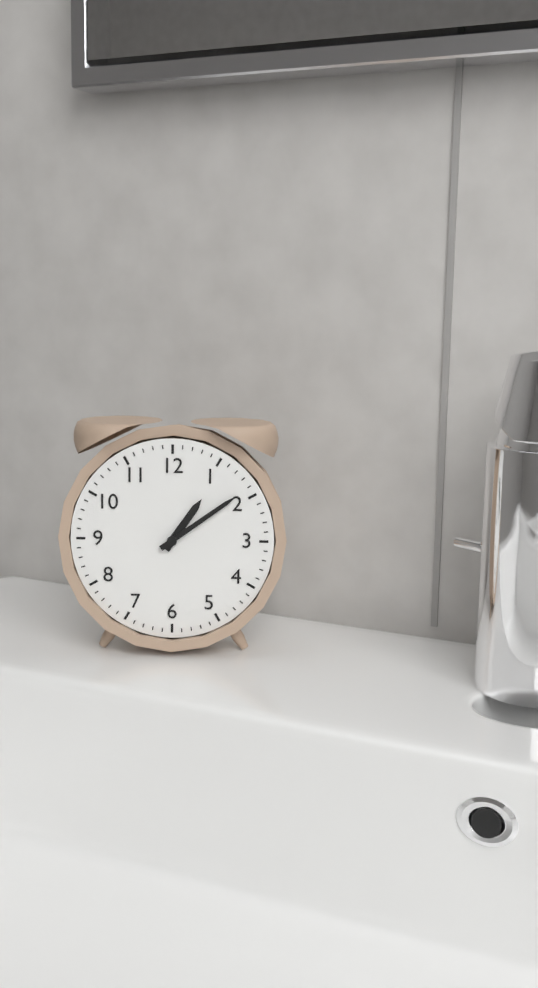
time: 1:09
